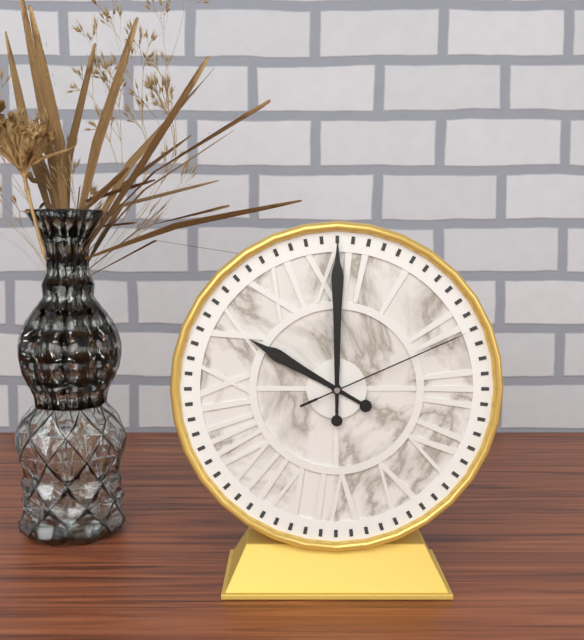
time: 10:00:11
